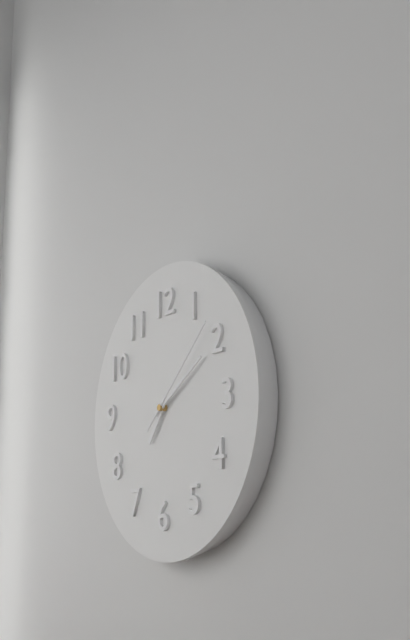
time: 7:10:08
